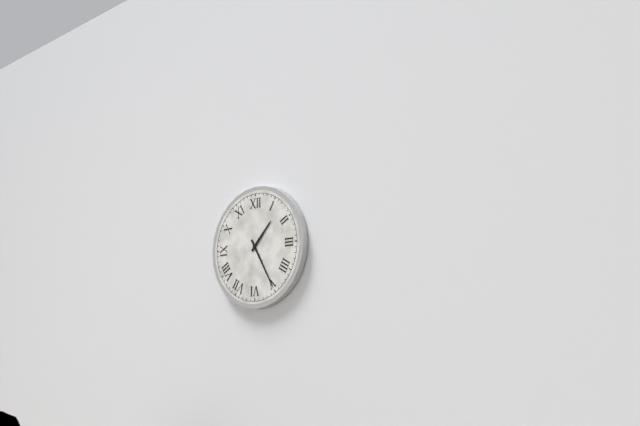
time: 1:25
